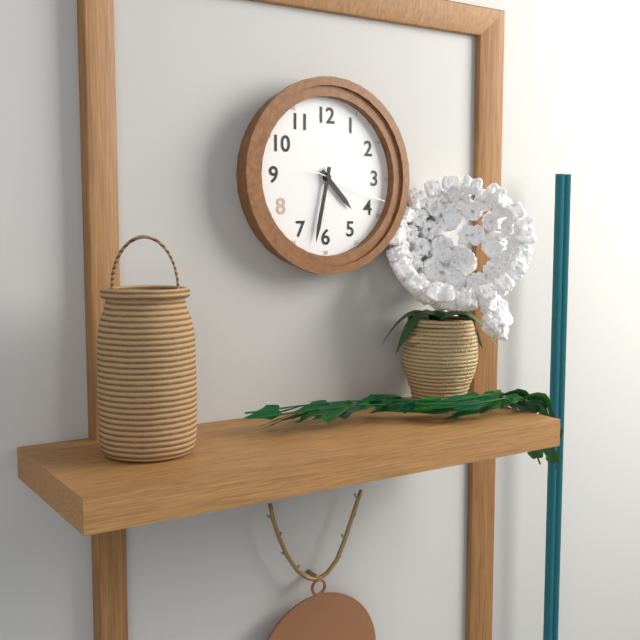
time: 4:32:18
